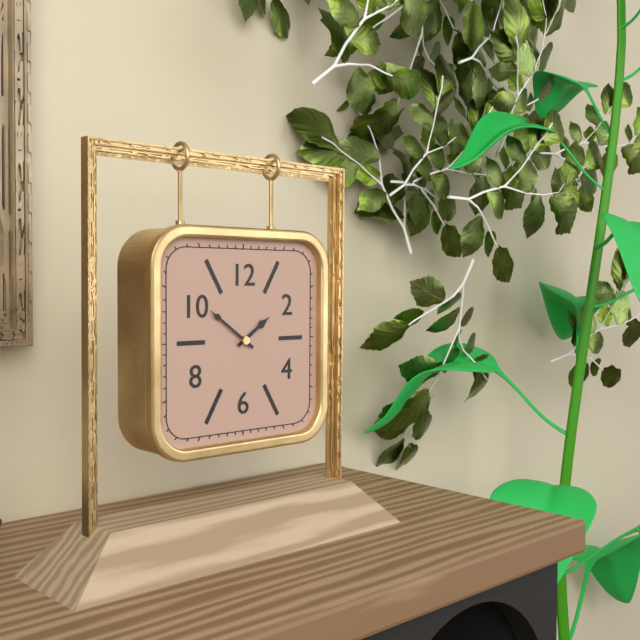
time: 1:51
